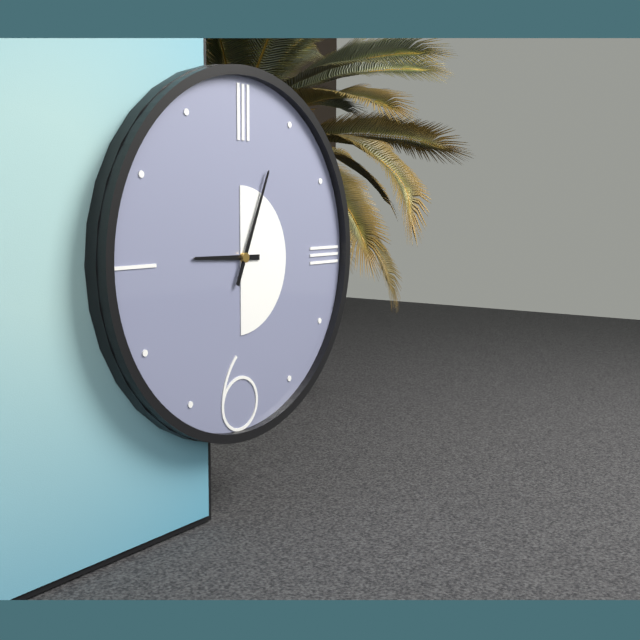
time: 9:04
